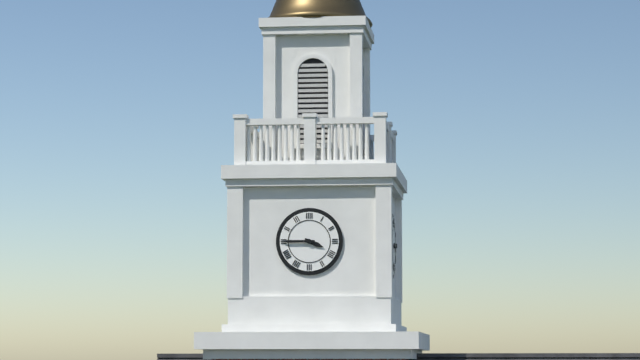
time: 3:45
